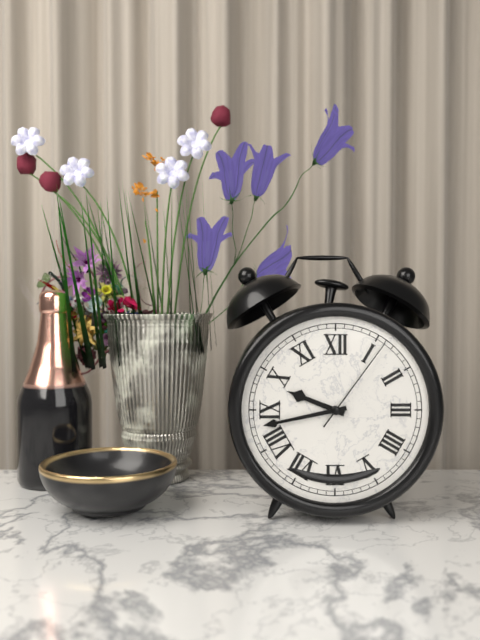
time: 9:43:06
